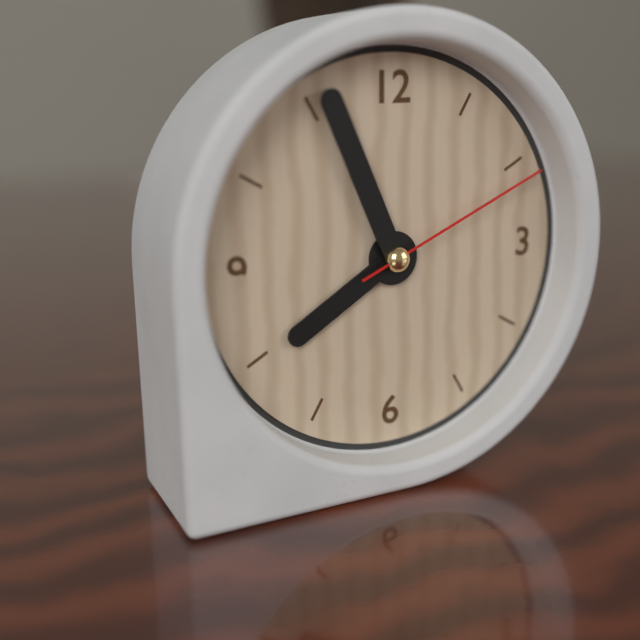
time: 7:56:11
